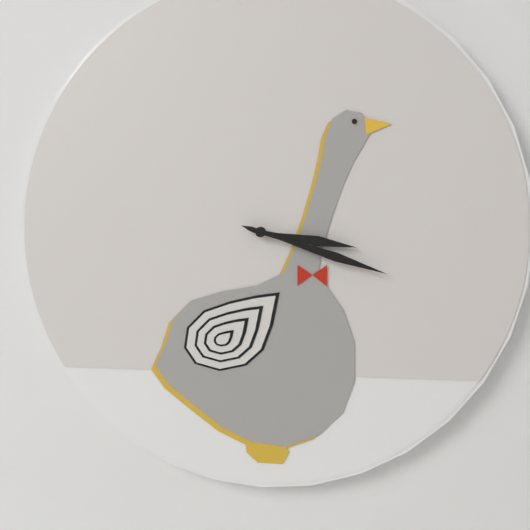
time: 3:18
